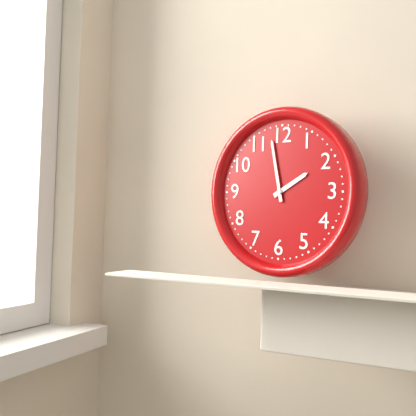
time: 1:58
